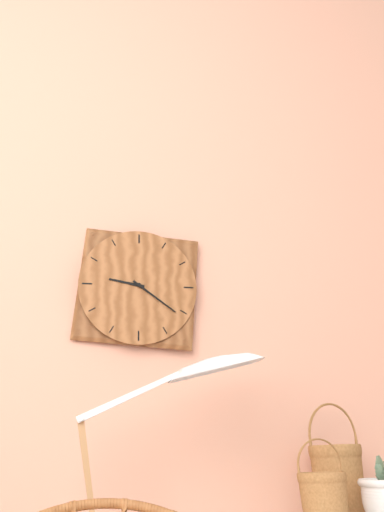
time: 9:21
